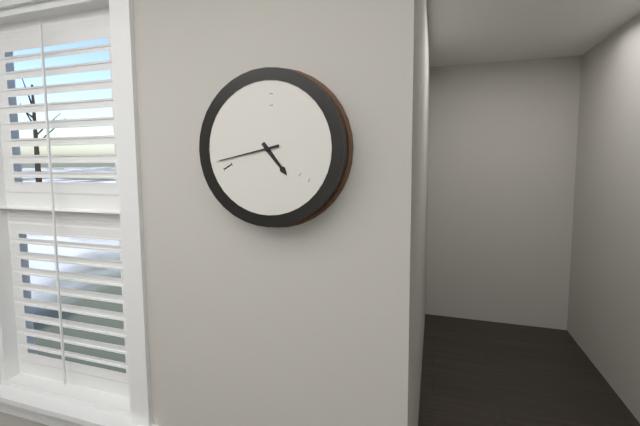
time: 4:43
